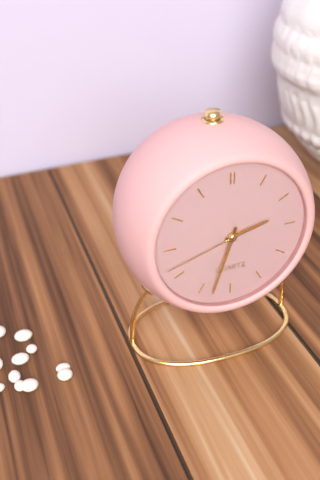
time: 2:33:42
